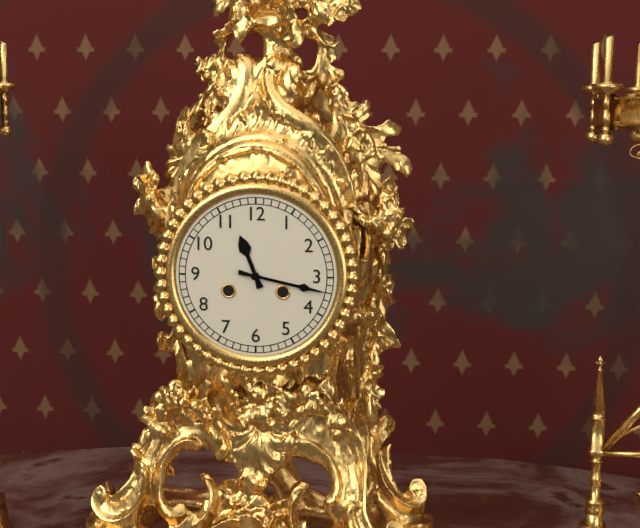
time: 11:17
